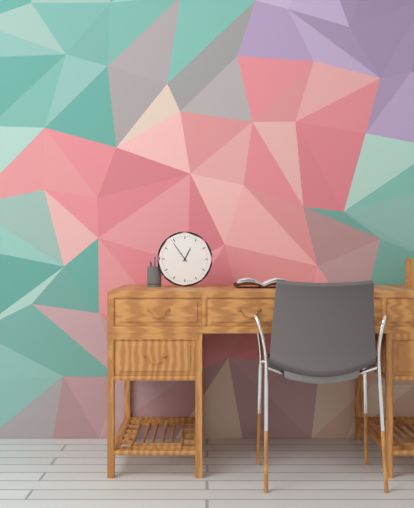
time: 12:54
